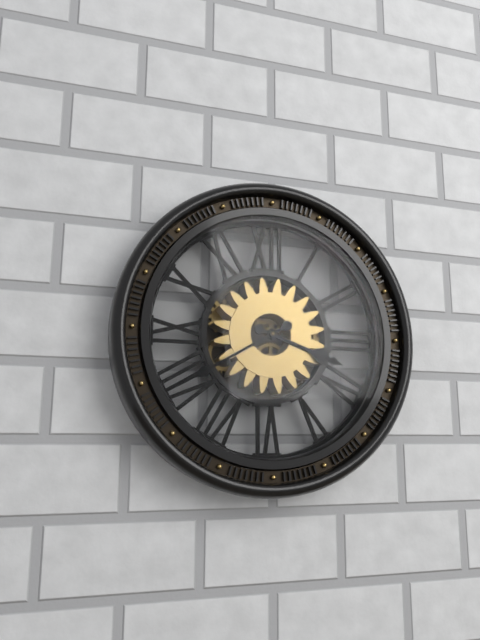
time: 3:40
